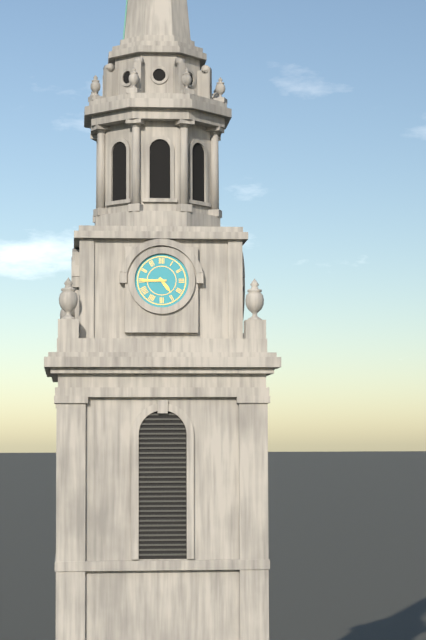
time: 4:45
